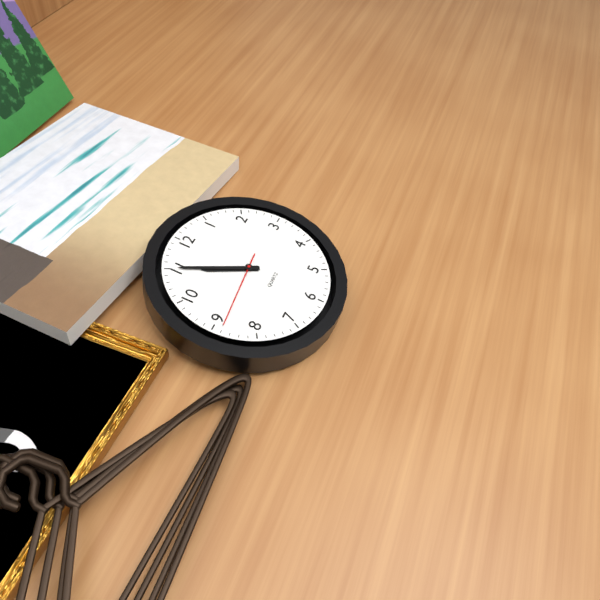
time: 10:55:44
